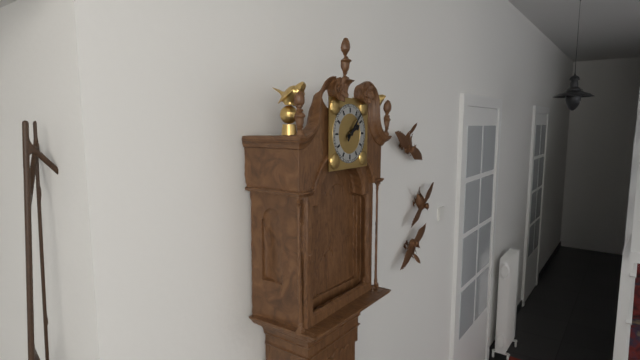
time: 2:07
